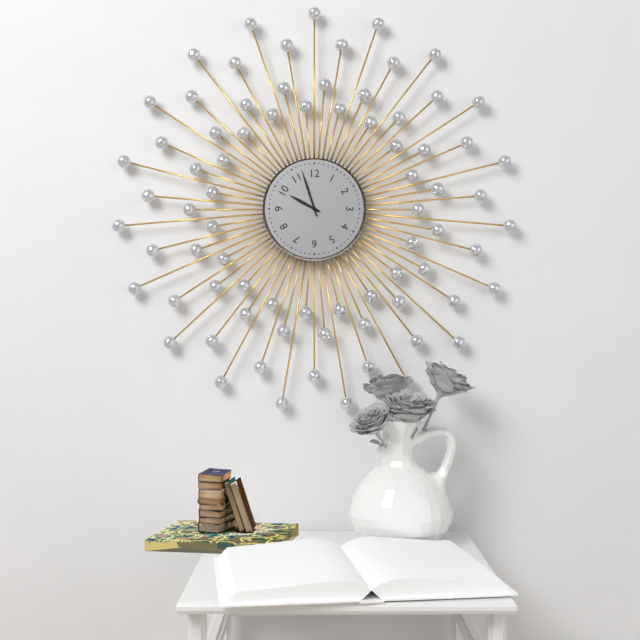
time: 9:57
